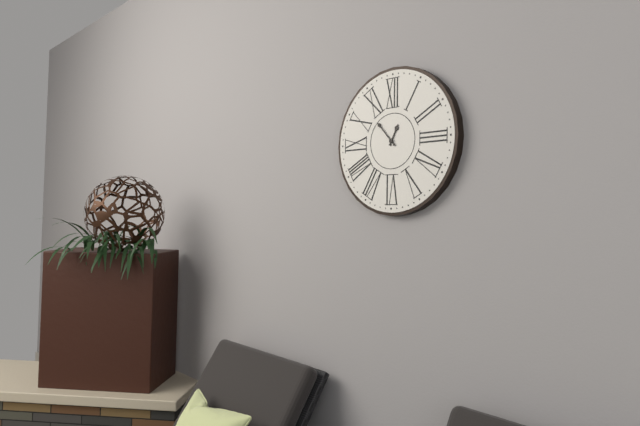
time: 12:53
